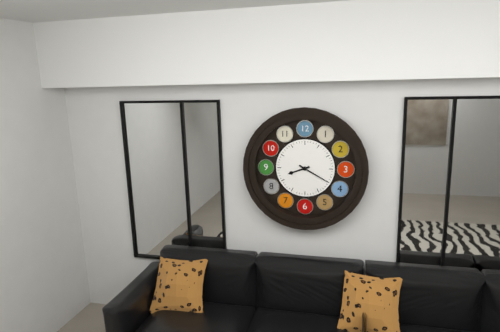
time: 8:20
